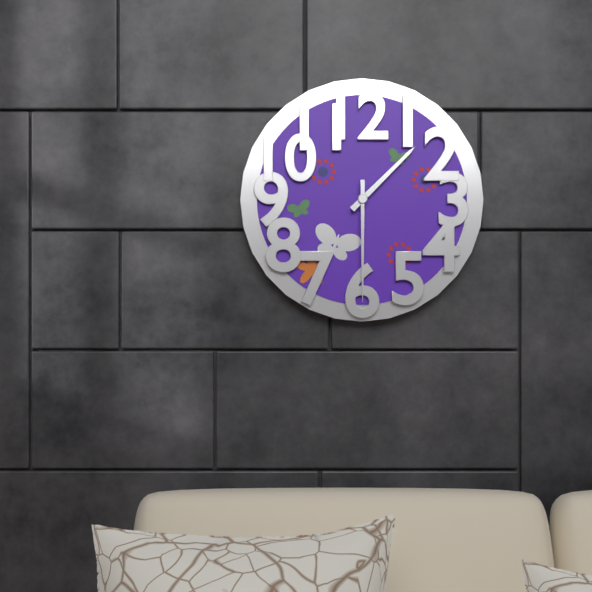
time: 1:30
